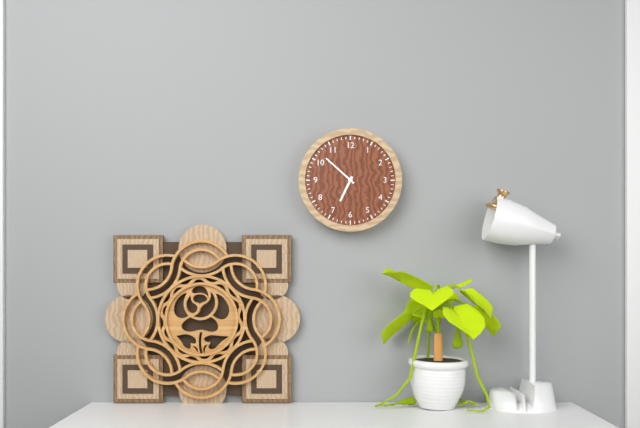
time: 6:52
